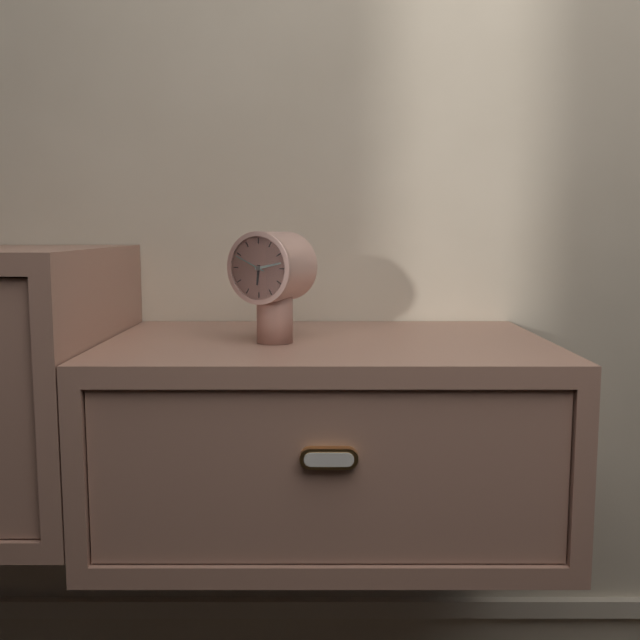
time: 6:13
